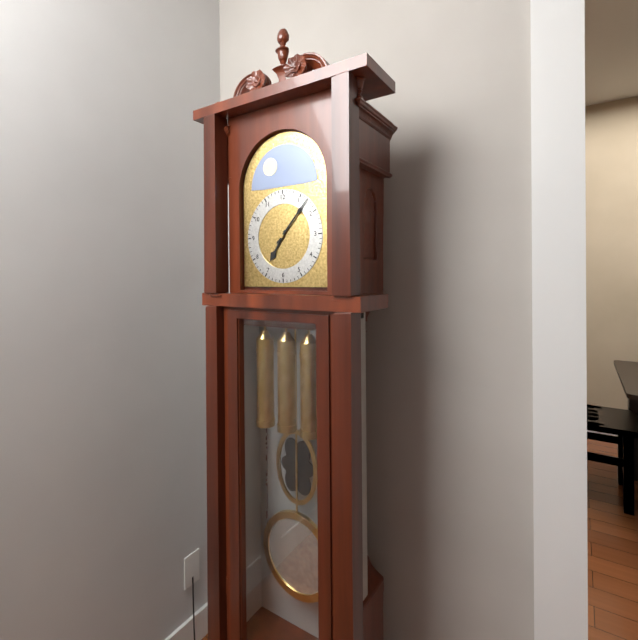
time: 7:07
